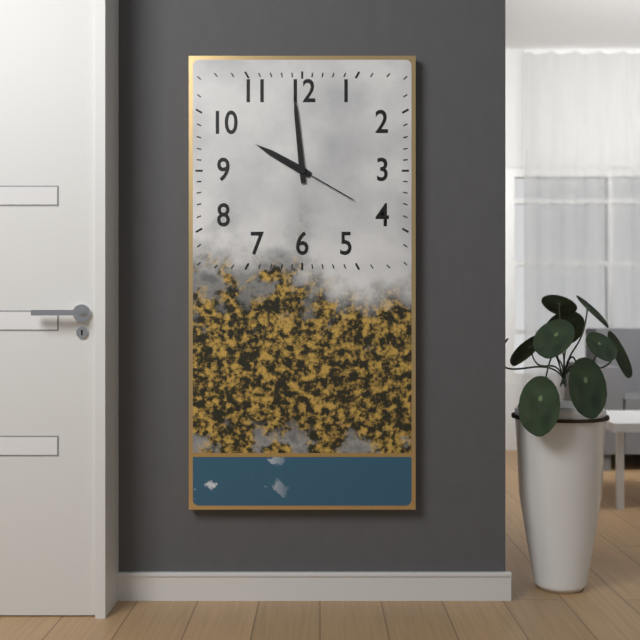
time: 9:59:20
